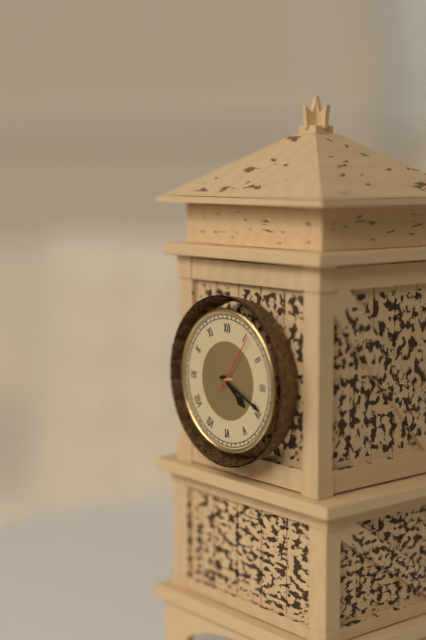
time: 4:19:06
